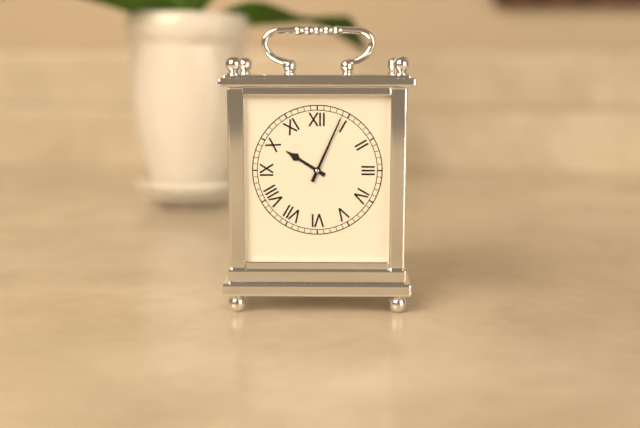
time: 10:04
